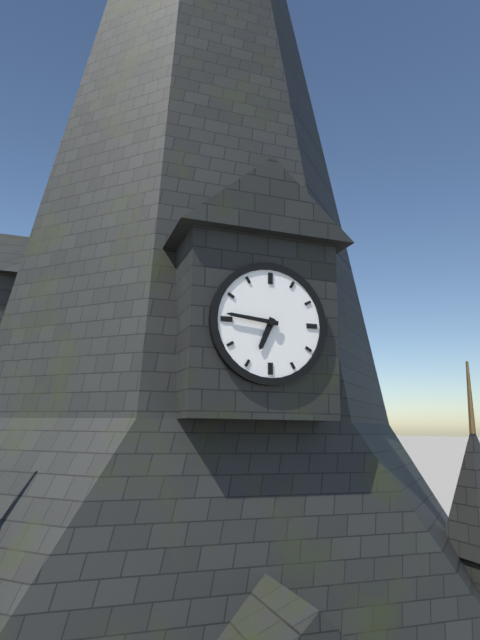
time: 6:46
